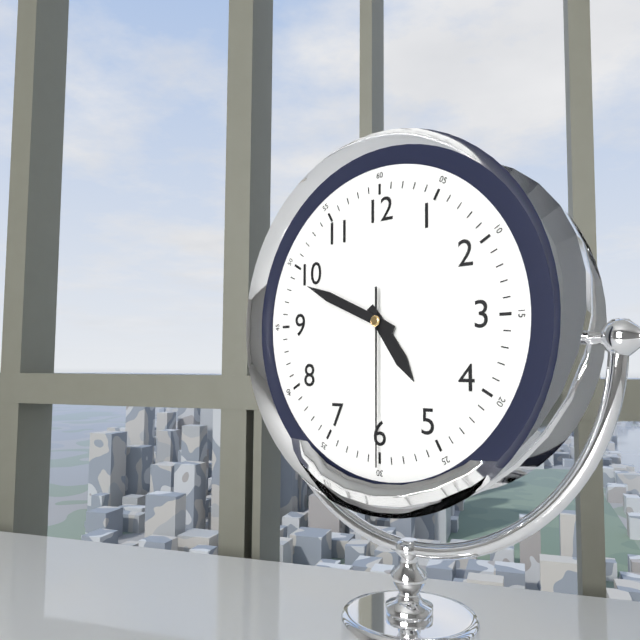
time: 4:49:30
